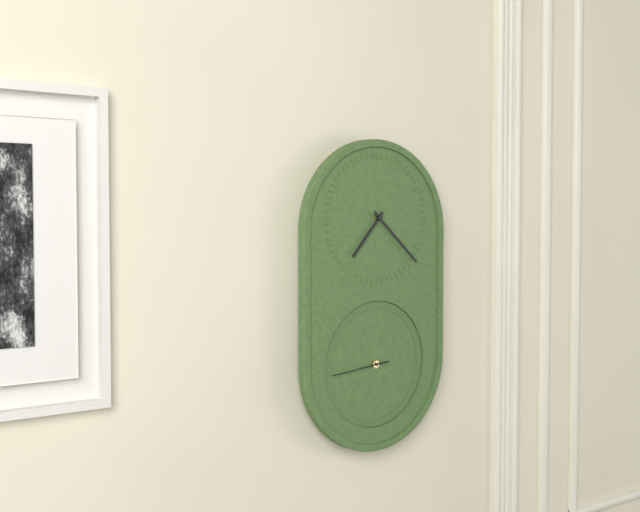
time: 7:22:44
